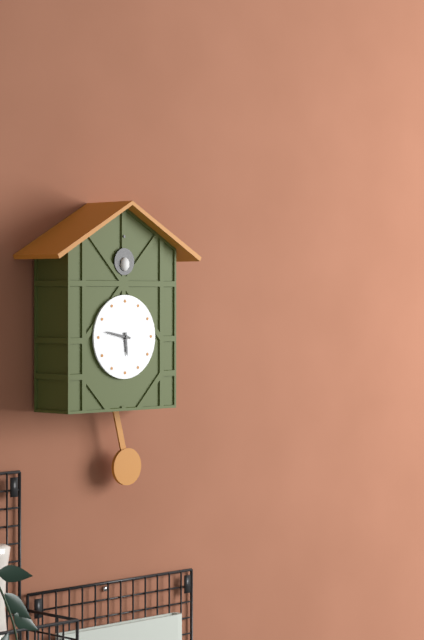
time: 5:47
